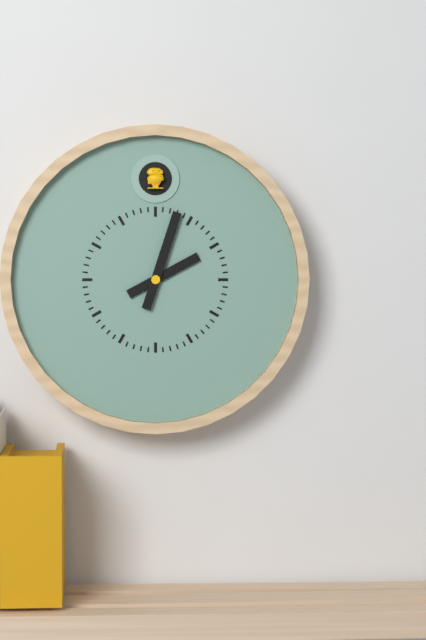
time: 2:03
